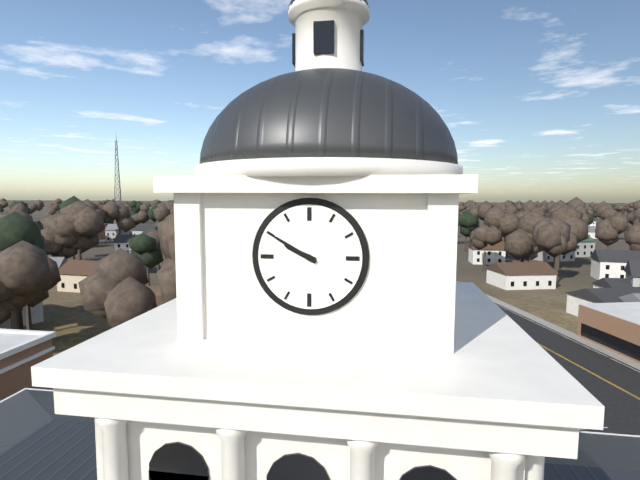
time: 9:50
